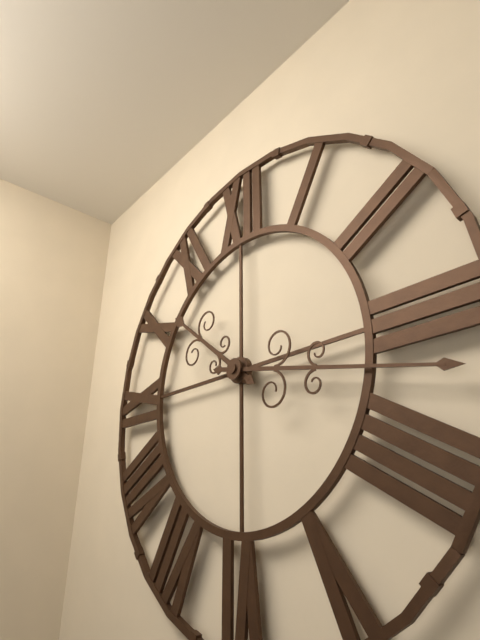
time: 10:17
